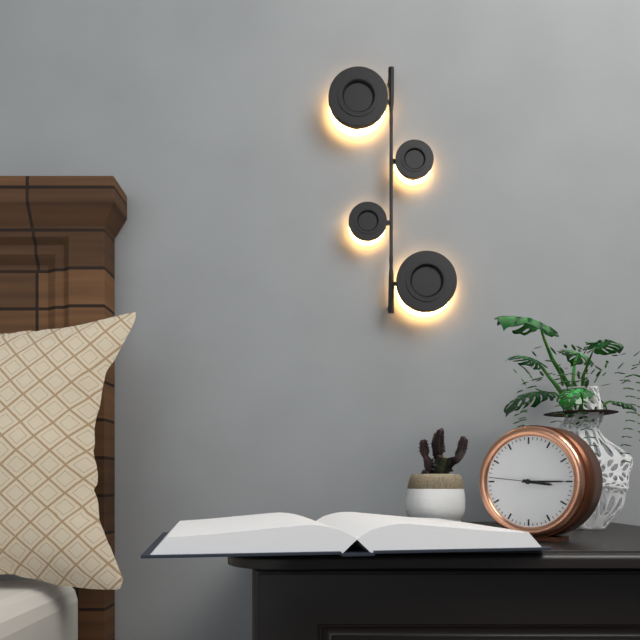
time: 3:15:46
